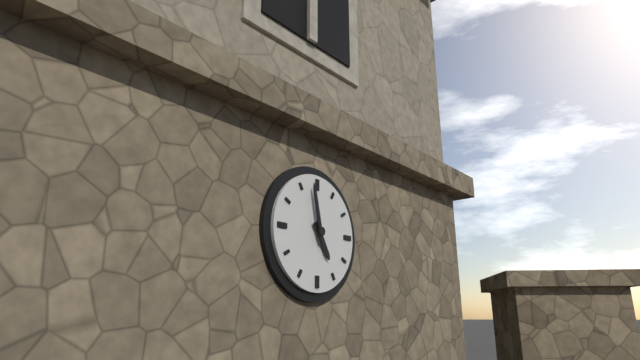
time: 4:58
